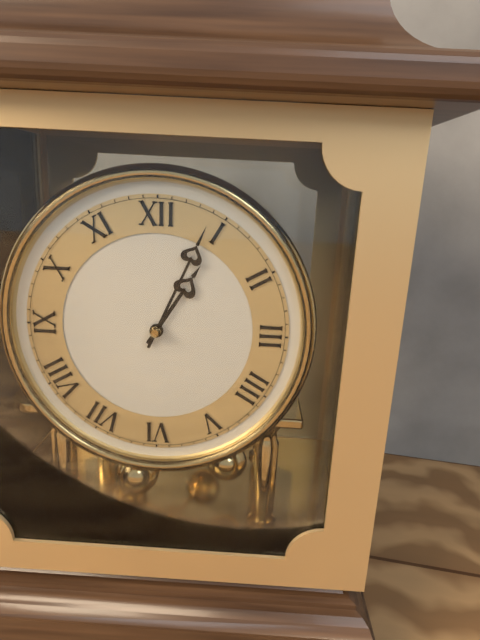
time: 1:04
